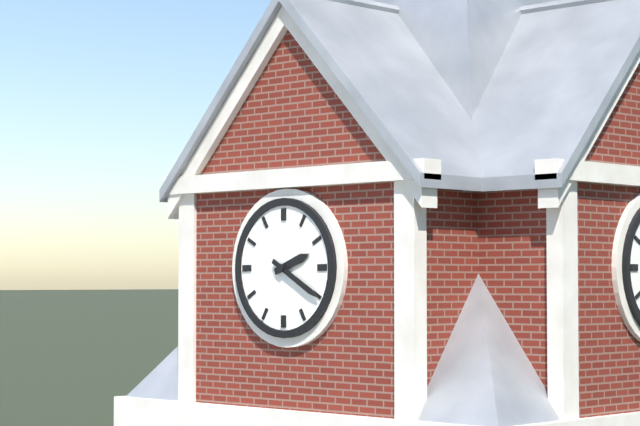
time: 2:20
